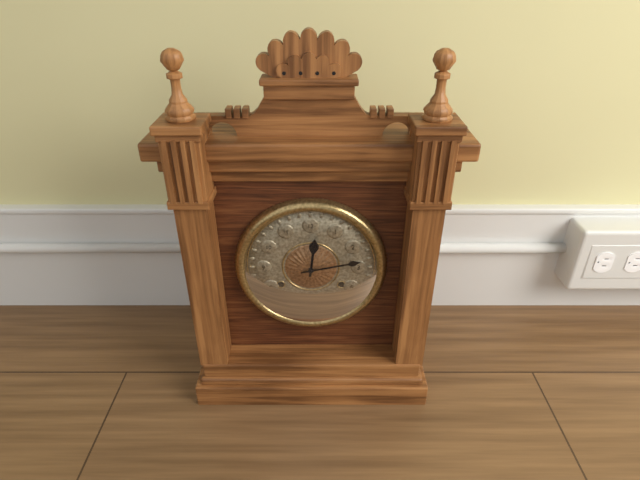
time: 12:13
